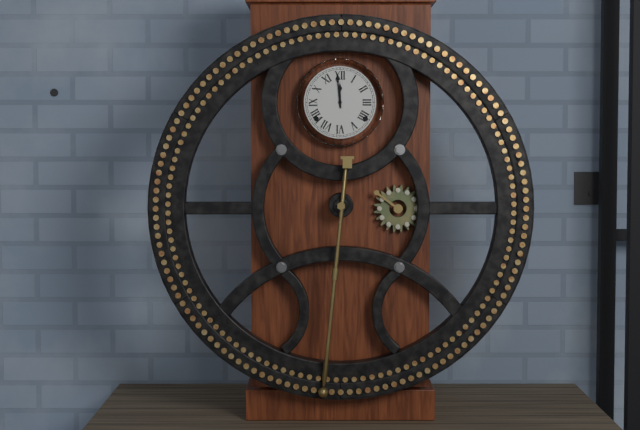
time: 11:59
